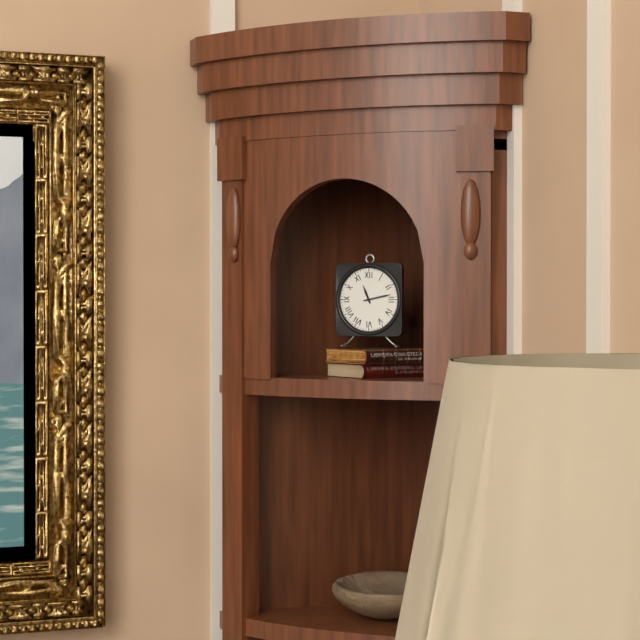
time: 11:13
